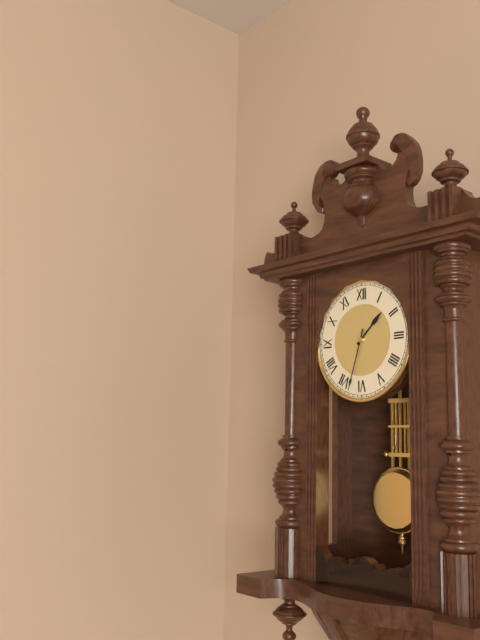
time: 1:33
